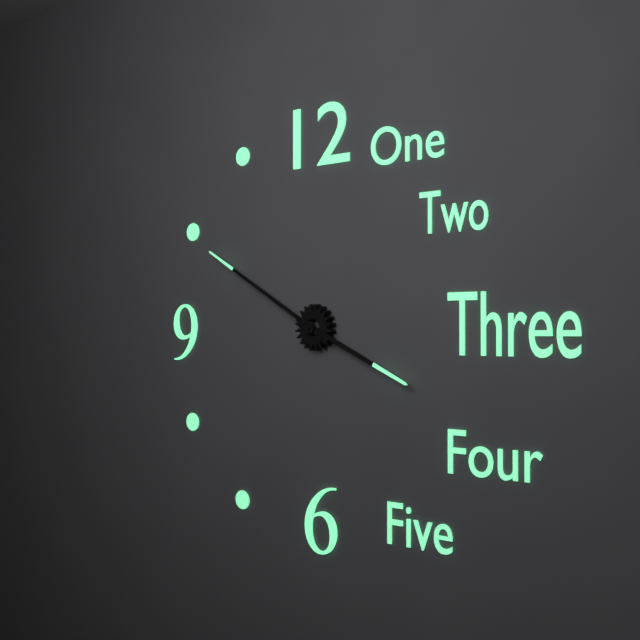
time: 3:50
